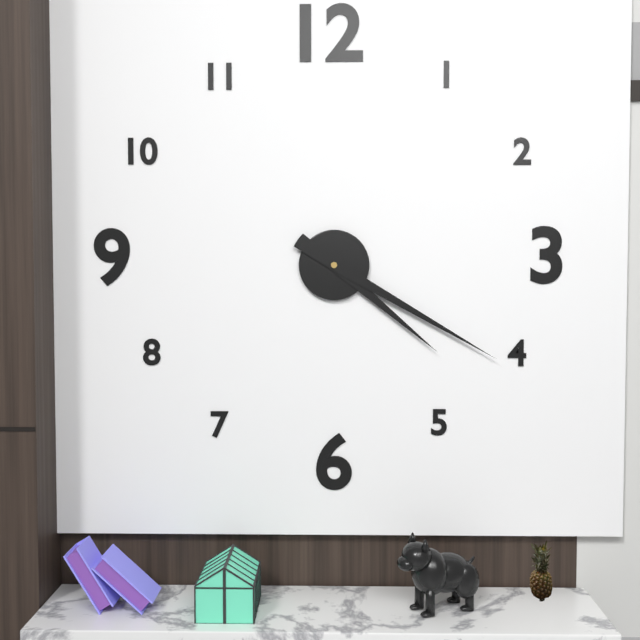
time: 4:20
